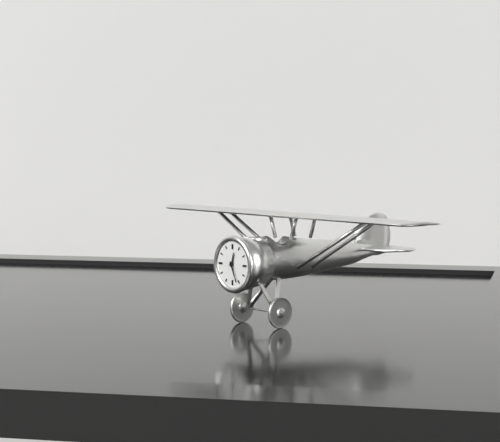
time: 12:26
